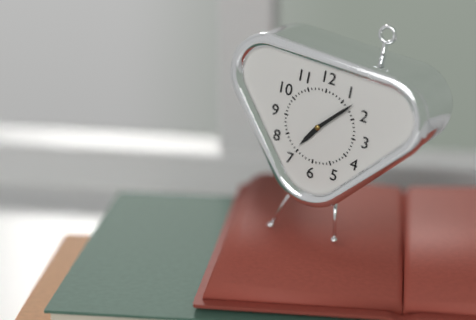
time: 7:07
